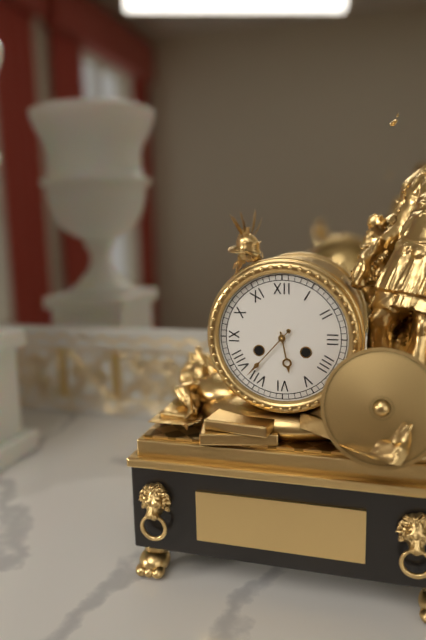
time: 5:37
